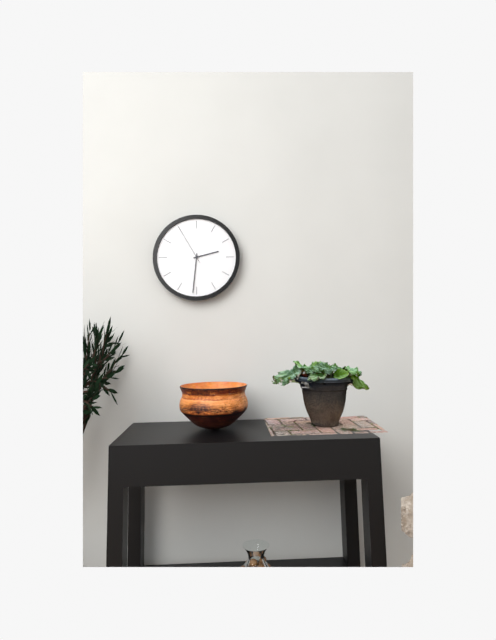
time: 2:31
